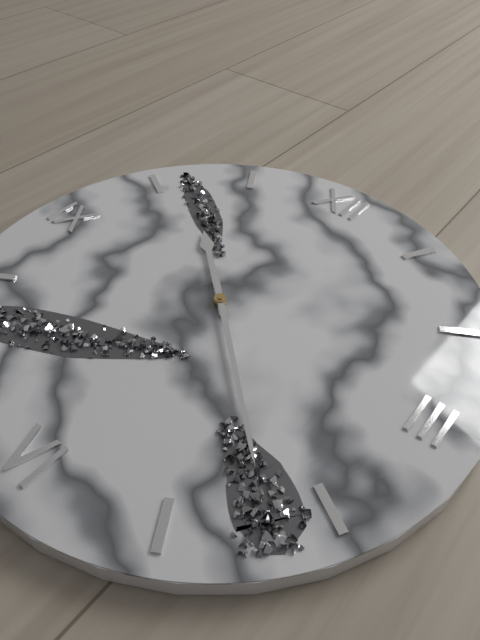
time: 10:22
